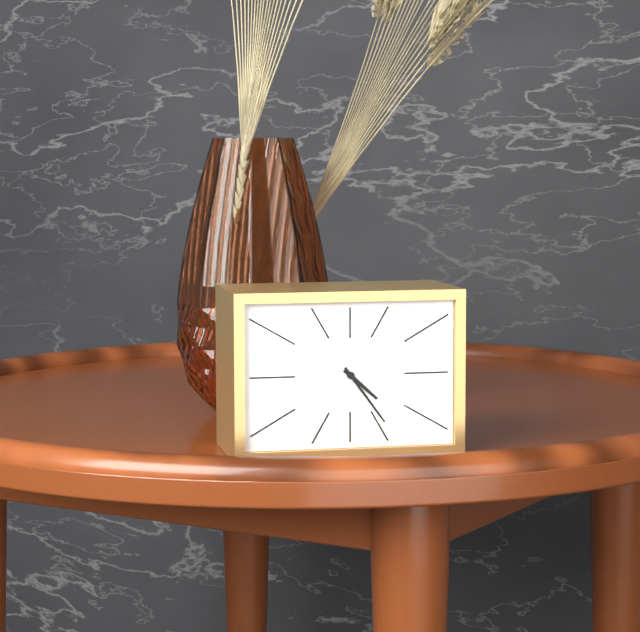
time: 4:24
